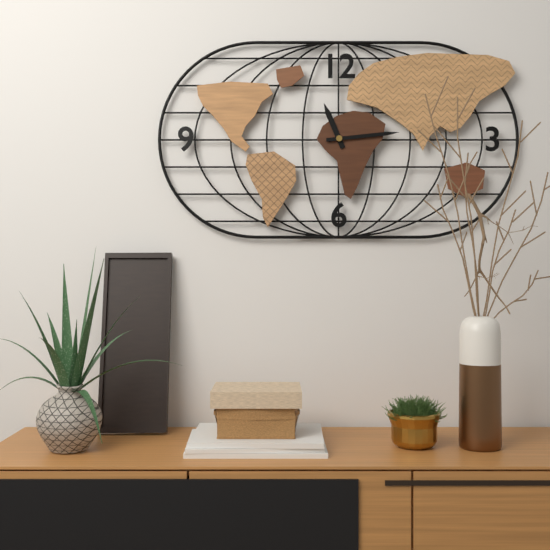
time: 11:14
